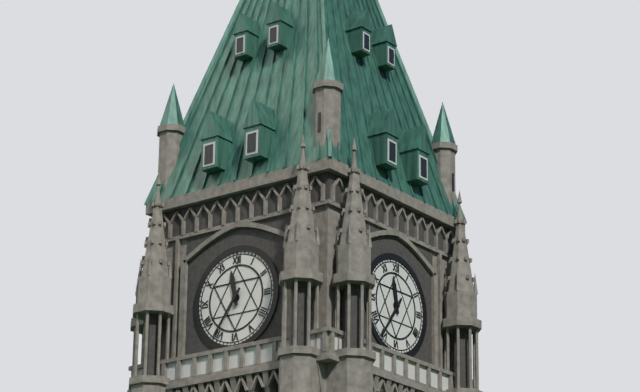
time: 11:36
